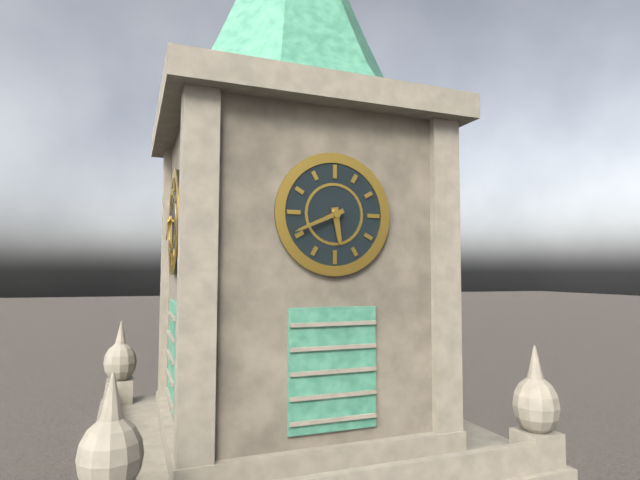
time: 5:41
